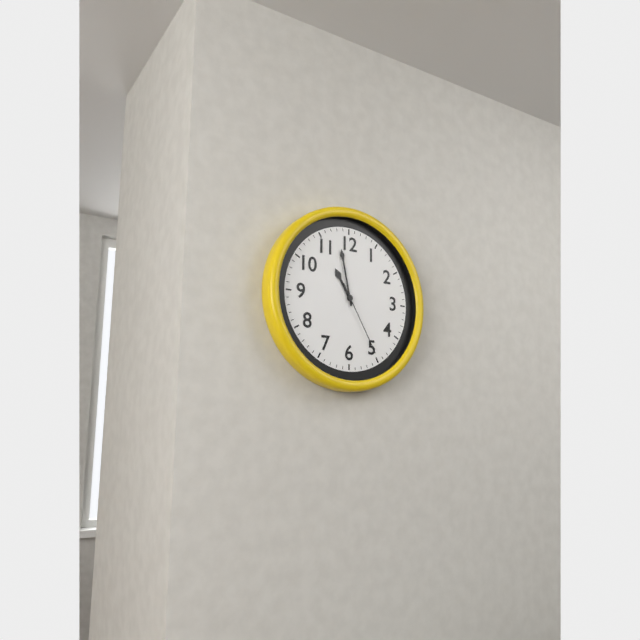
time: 10:58:25
